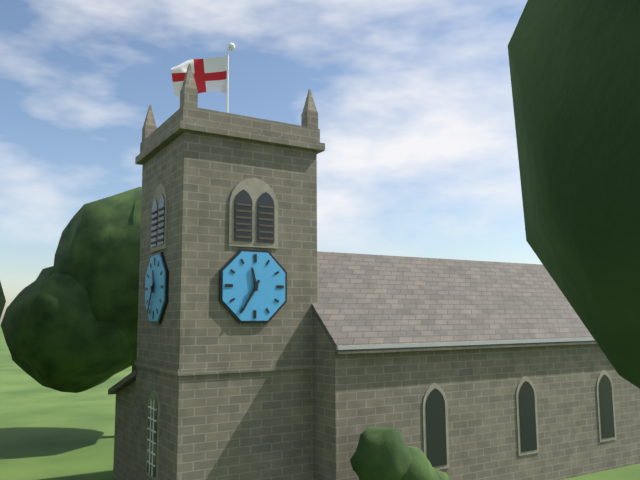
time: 11:35
